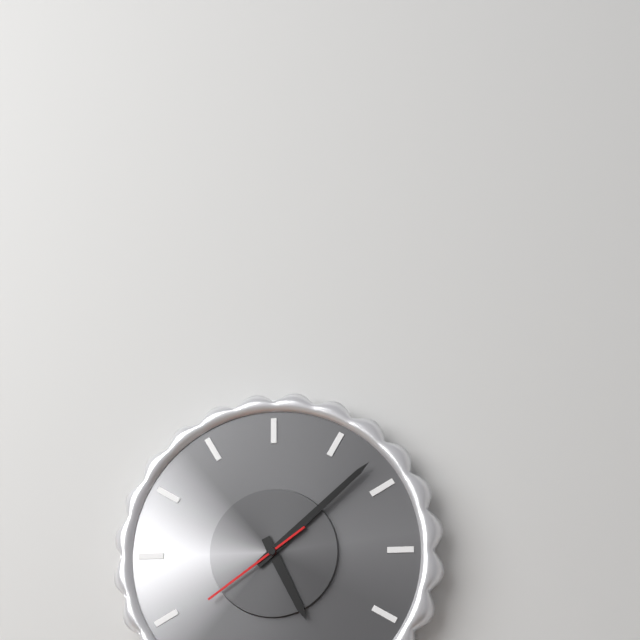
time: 5:08:39
